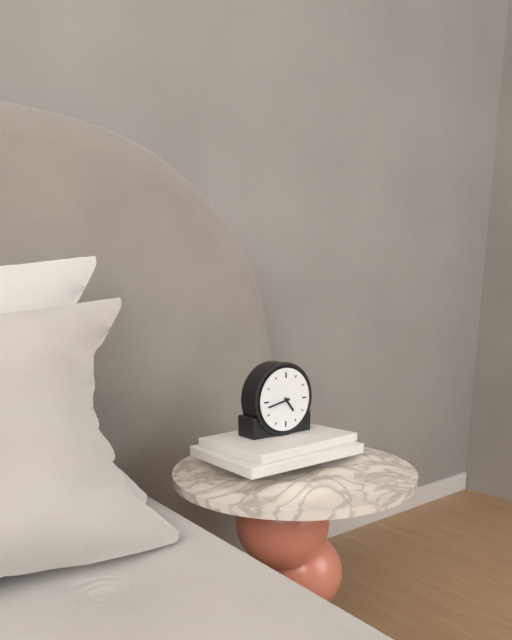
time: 4:43
